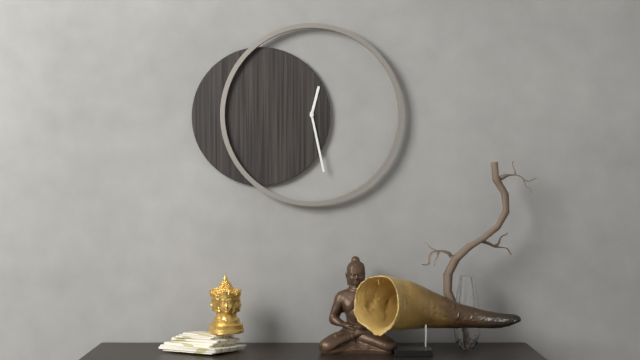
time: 12:28
